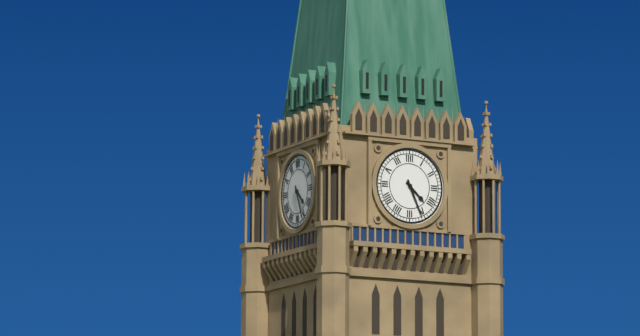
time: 4:26
